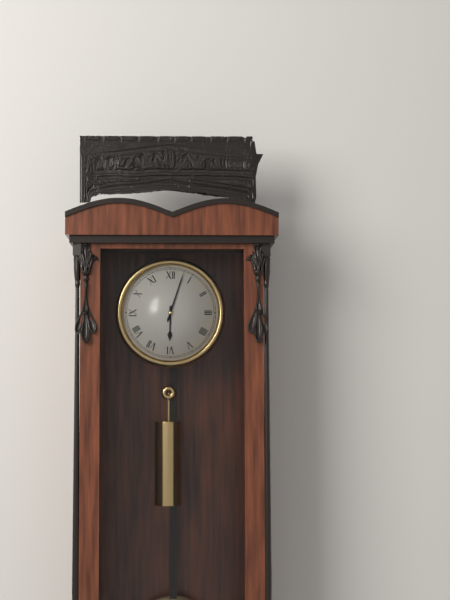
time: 6:03
